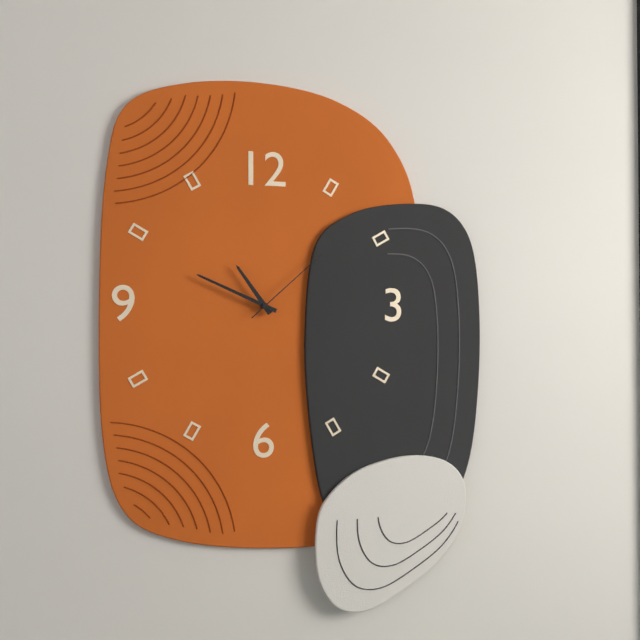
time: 10:49:08
